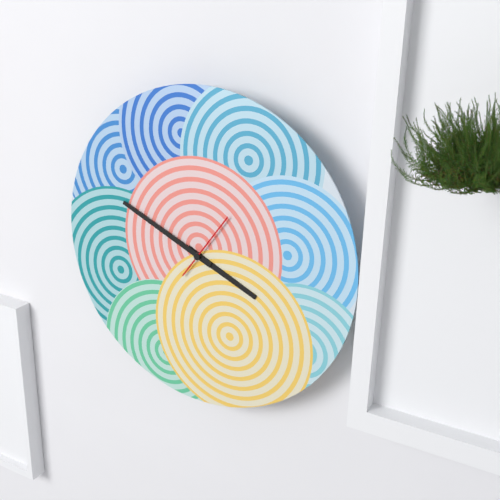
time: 3:49:06
